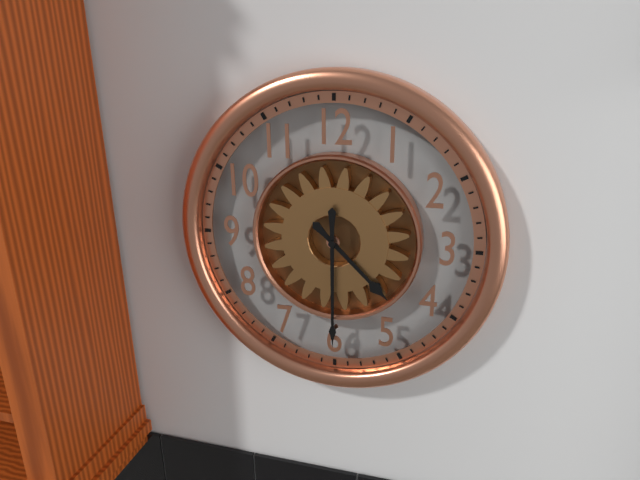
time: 4:30
